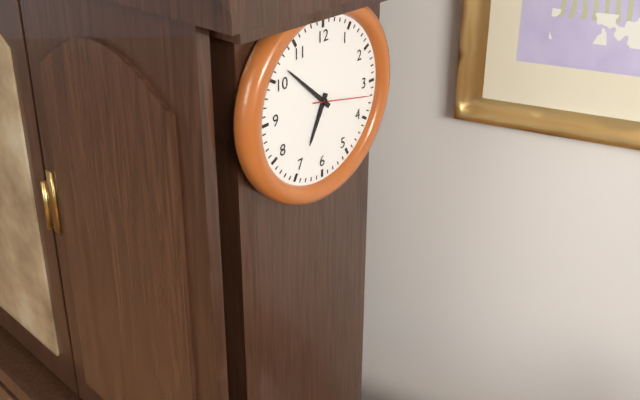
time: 6:52:17
